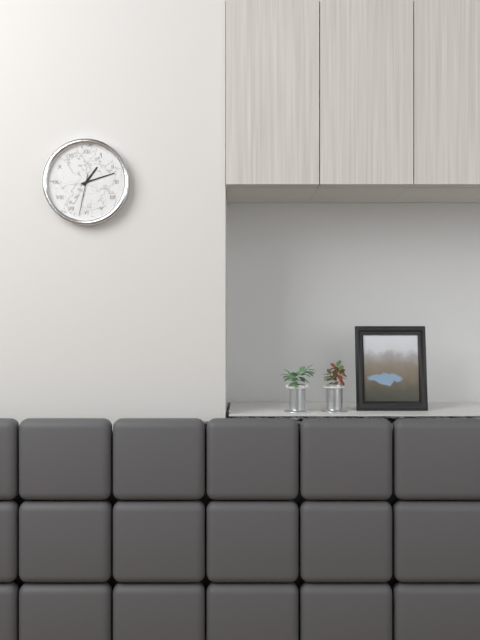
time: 1:12
